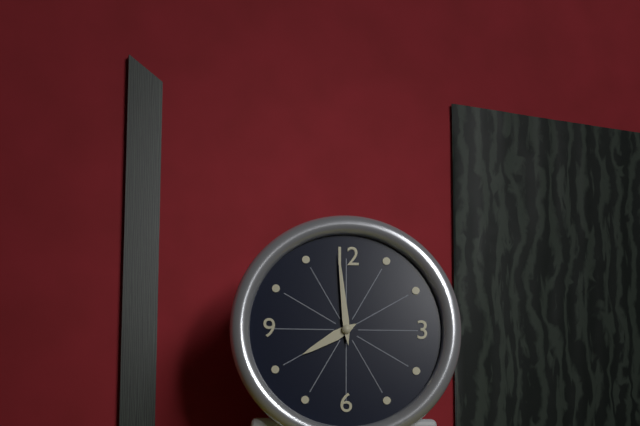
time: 7:59
